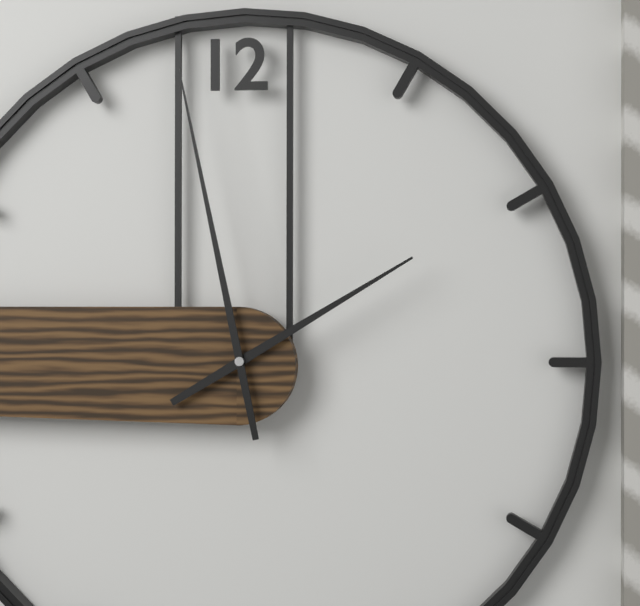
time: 1:58
